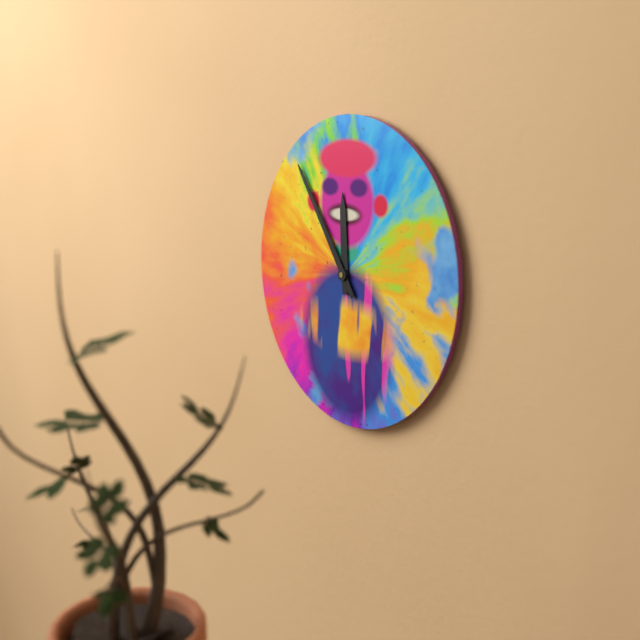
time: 11:54
